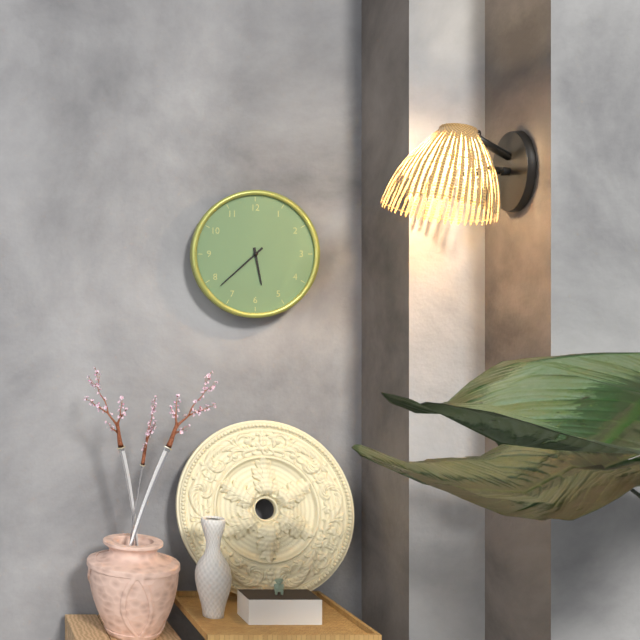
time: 5:38
